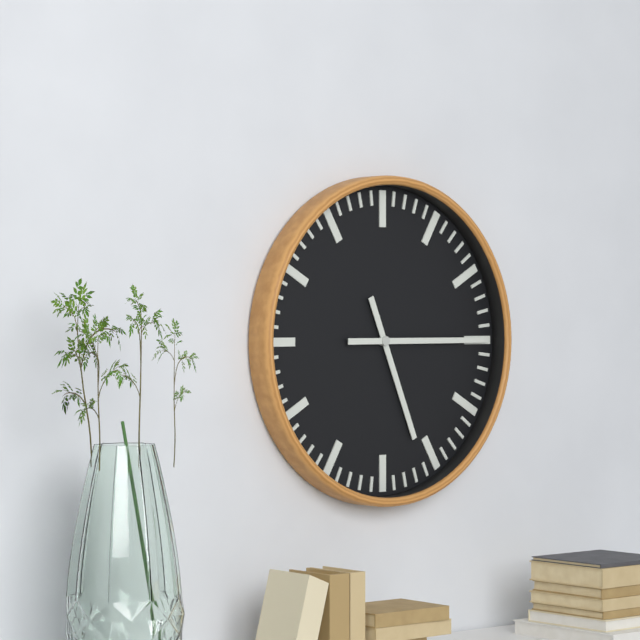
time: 5:15
